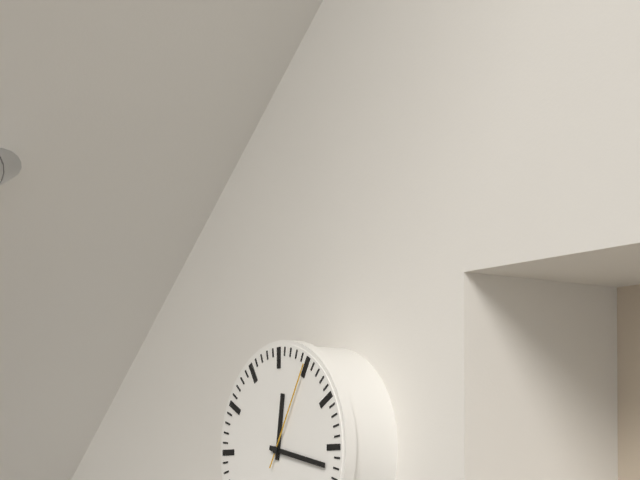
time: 12:17:05
